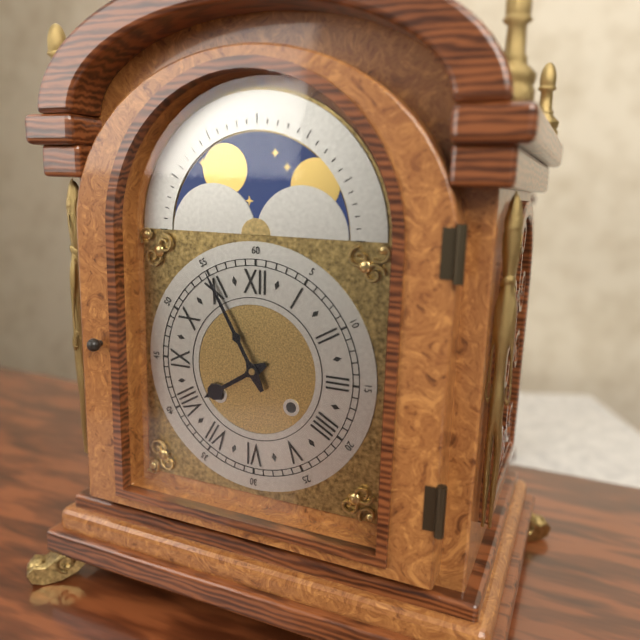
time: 7:55
